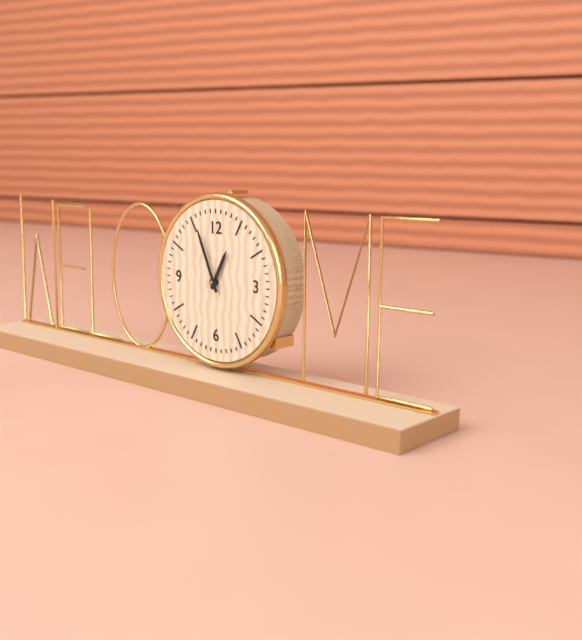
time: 12:56
